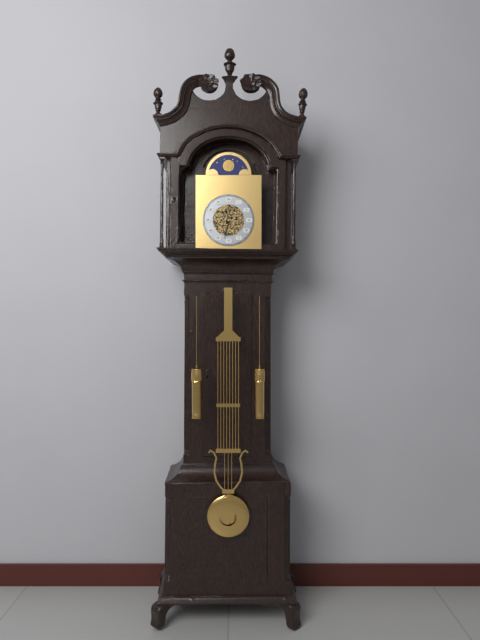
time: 11:32
